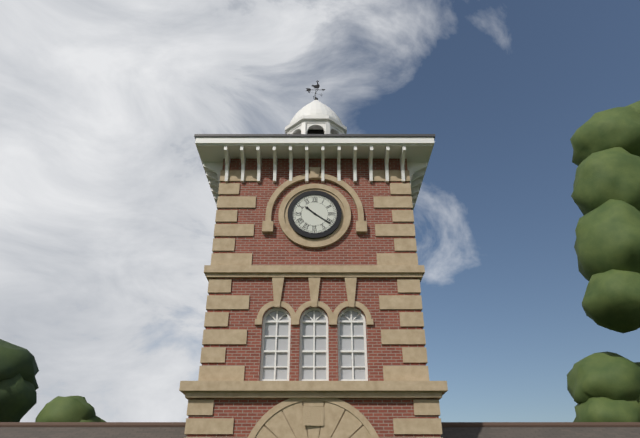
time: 10:21
